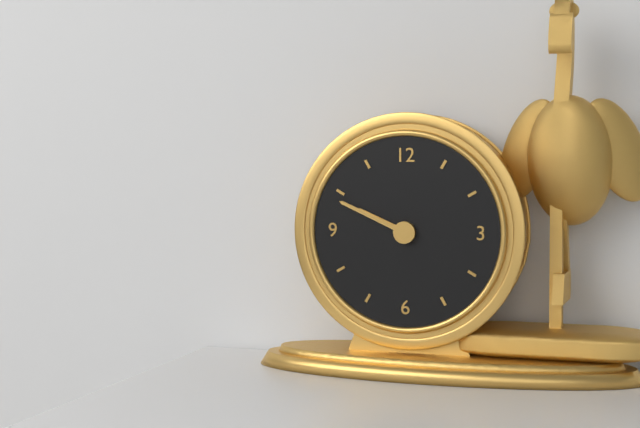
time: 9:49
